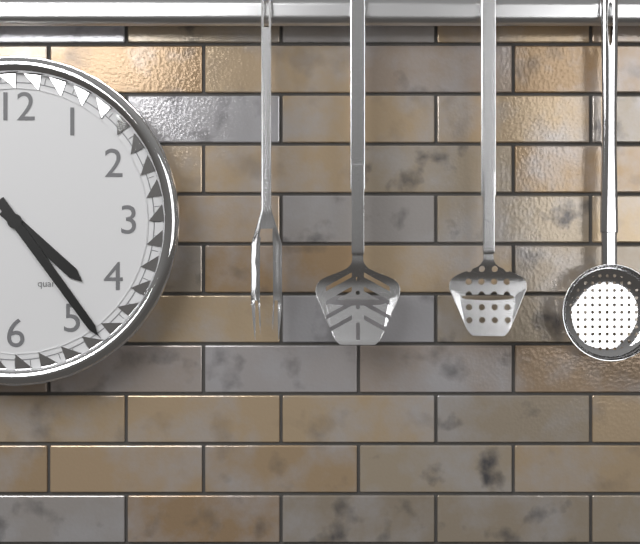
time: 4:24
